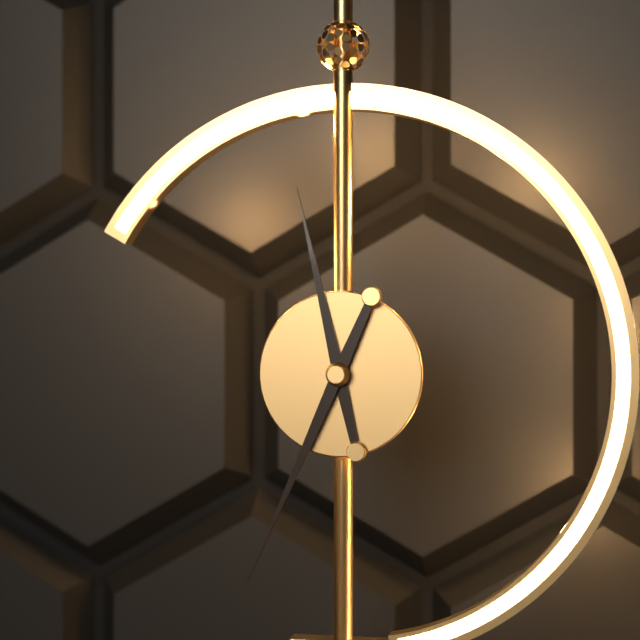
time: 11:34
